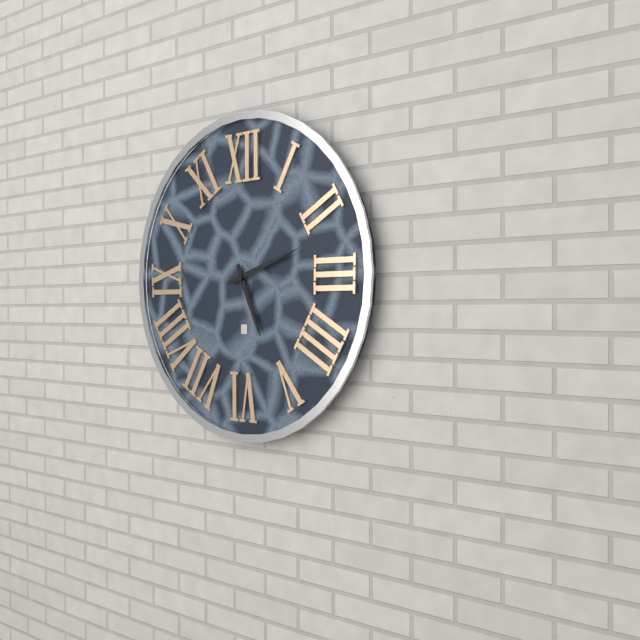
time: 5:12
